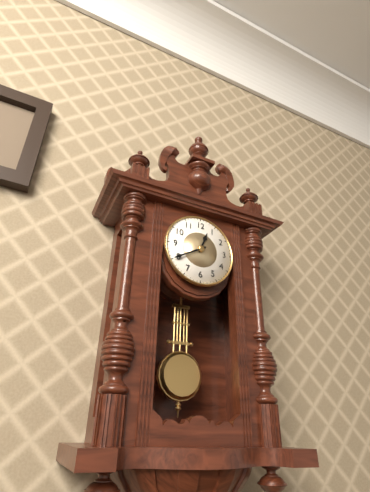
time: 12:40
